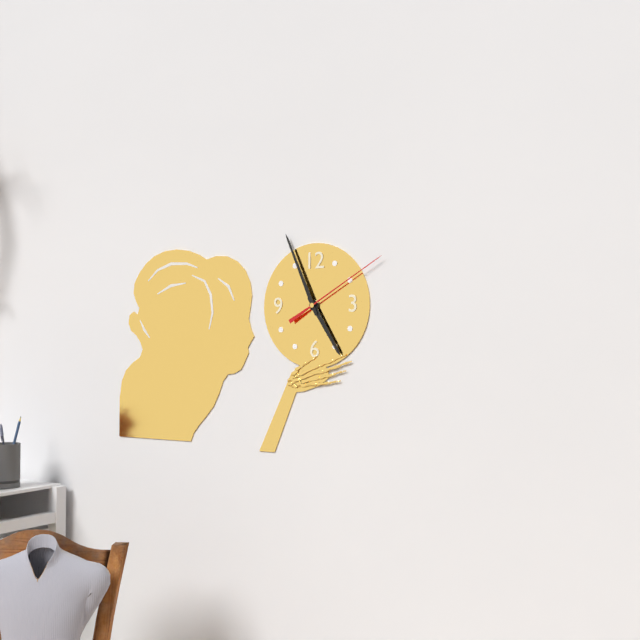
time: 4:56:10
